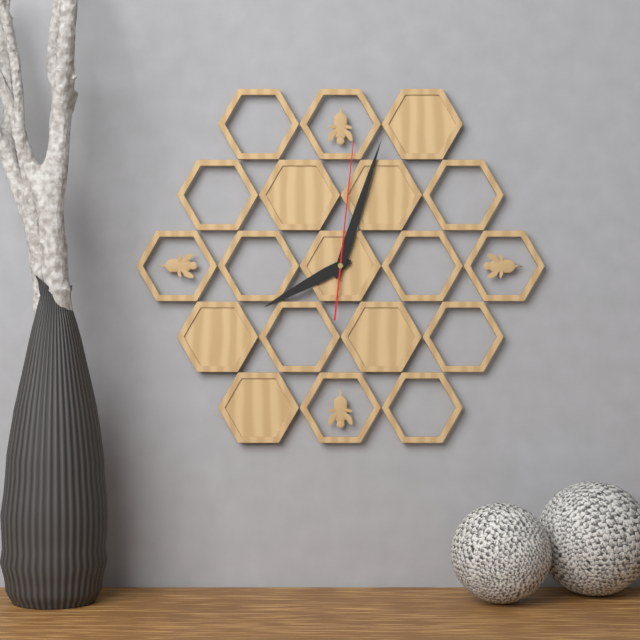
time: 8:03:01
